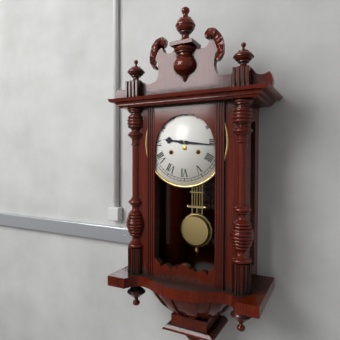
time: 9:16
